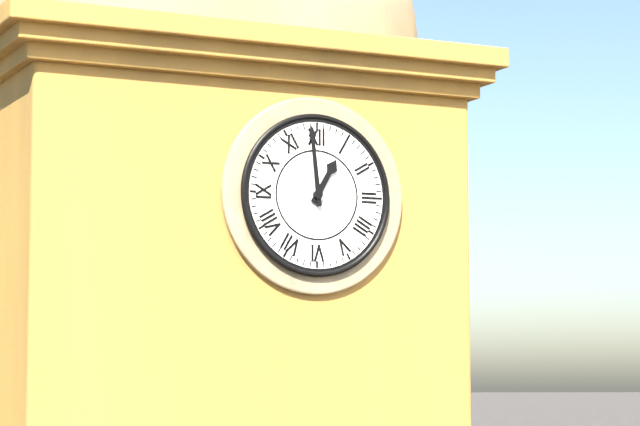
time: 12:59
